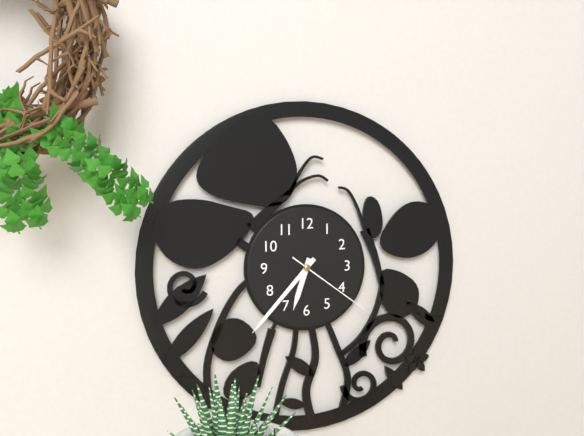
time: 6:37:21
